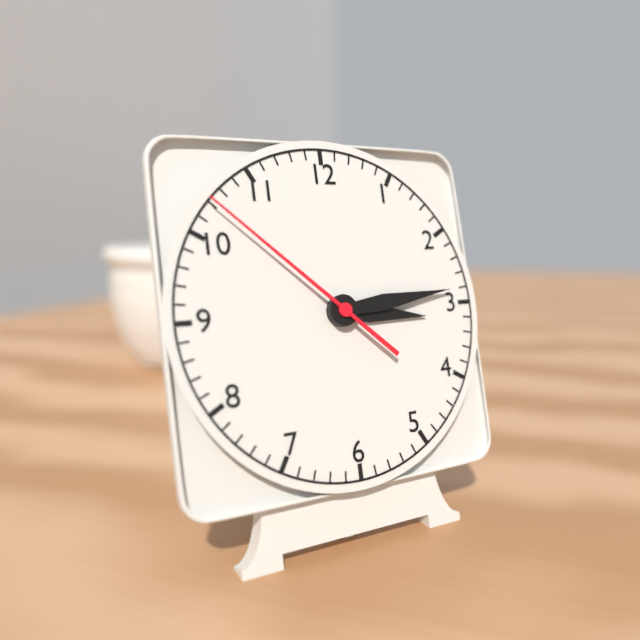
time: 3:14:52
